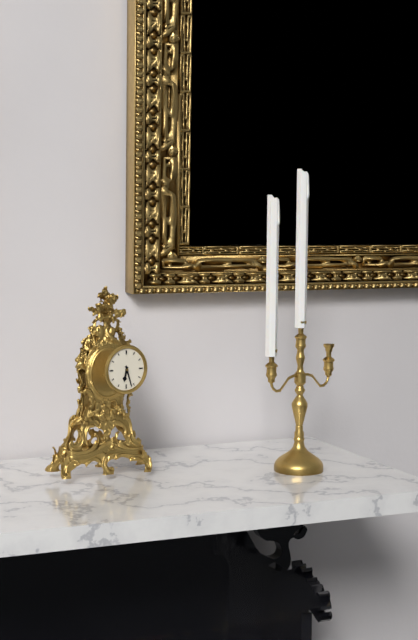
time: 6:27
